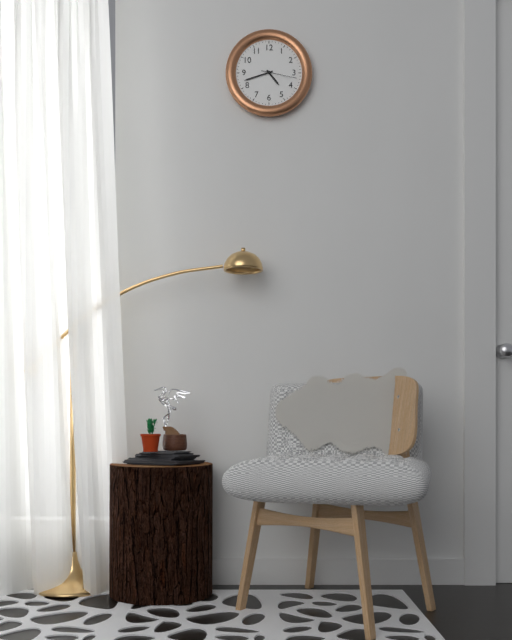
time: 4:42
